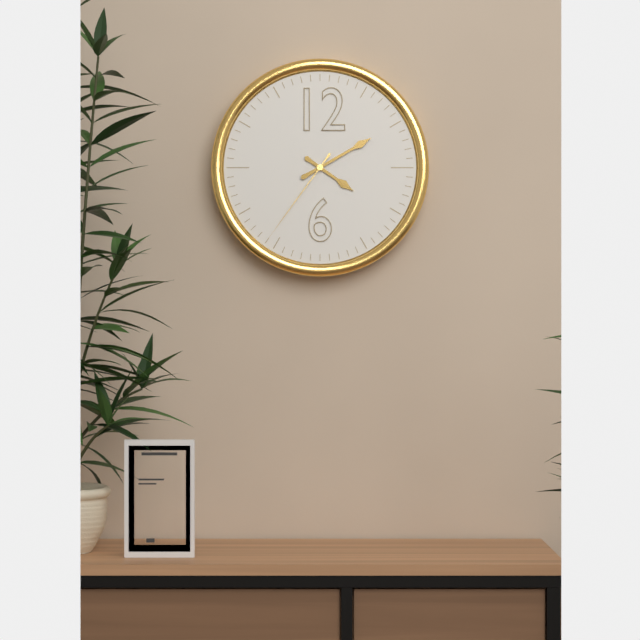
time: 4:10:36
